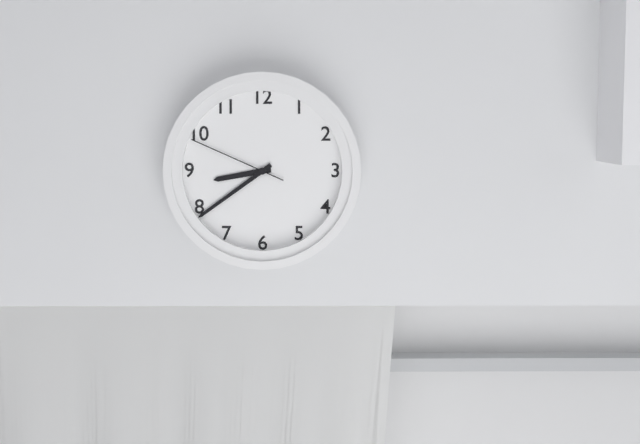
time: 8:39:49
